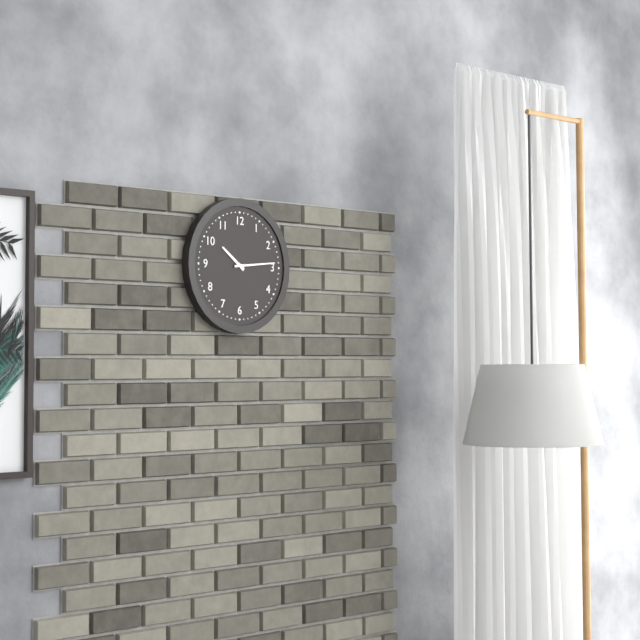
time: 10:14
